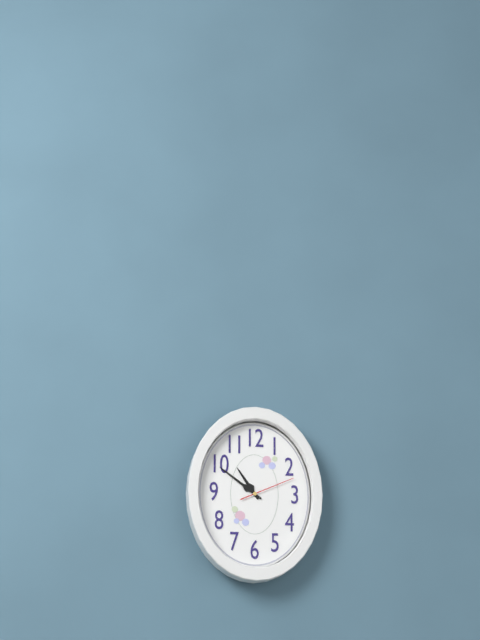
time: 10:51:11
